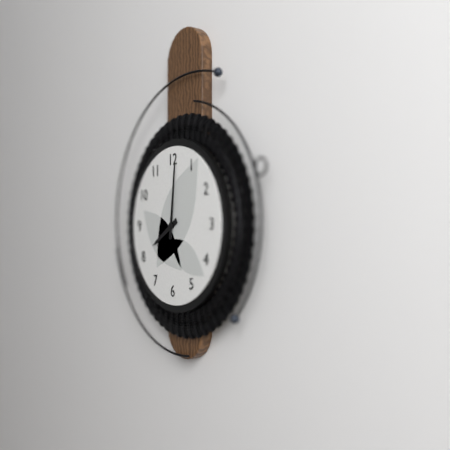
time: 8:01
